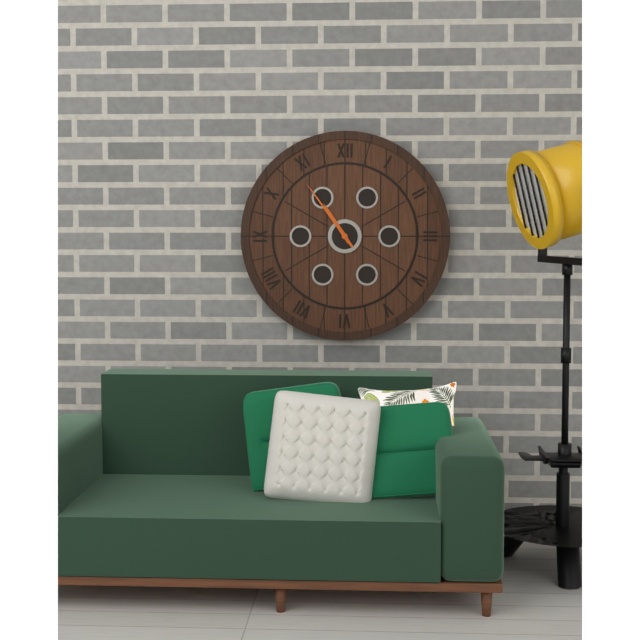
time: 10:54
